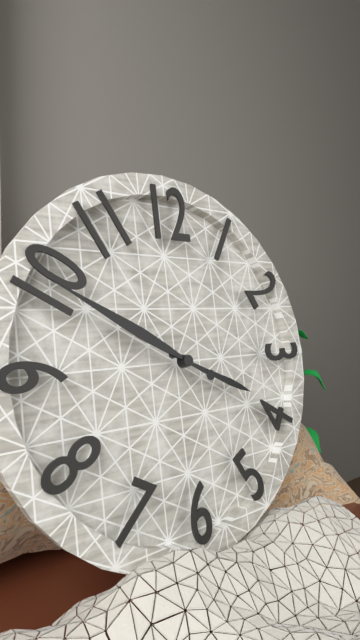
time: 3:50
